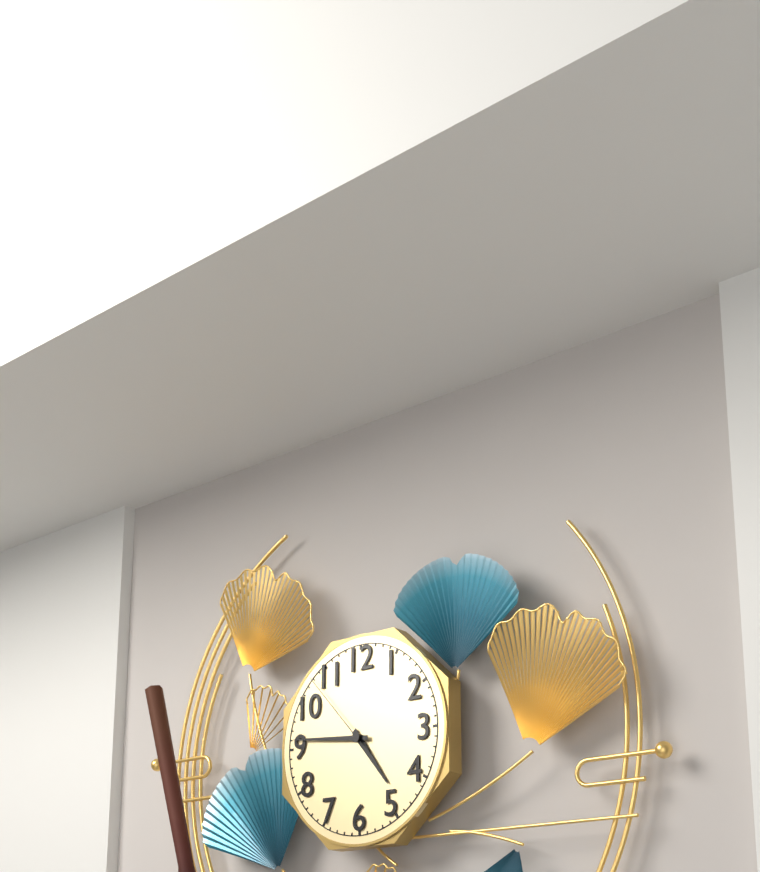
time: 4:46:53
